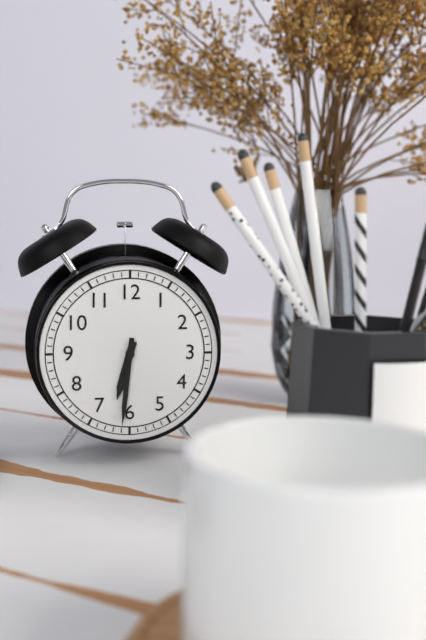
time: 6:31
